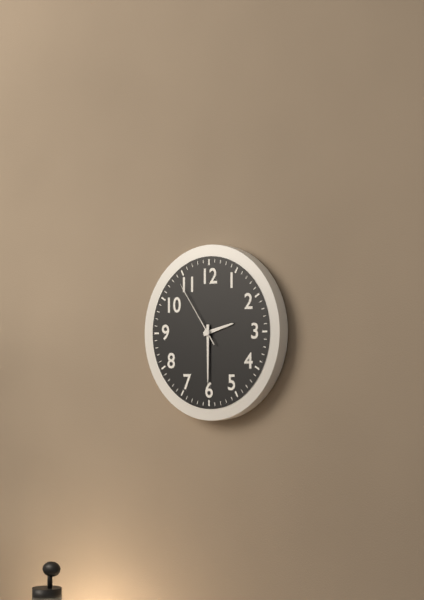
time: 2:30:54
